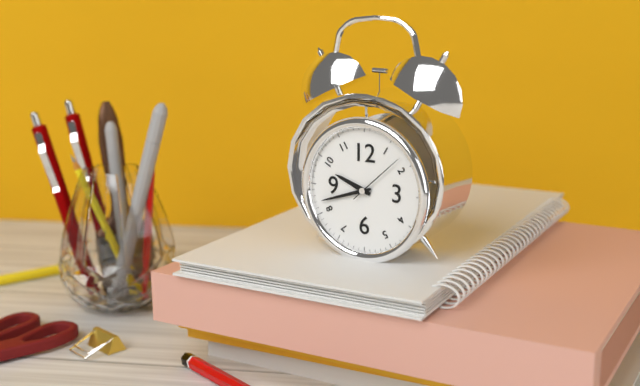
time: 9:42:08
